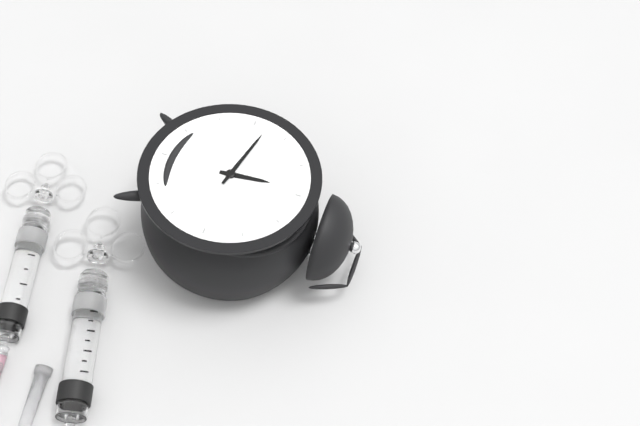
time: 11:47
